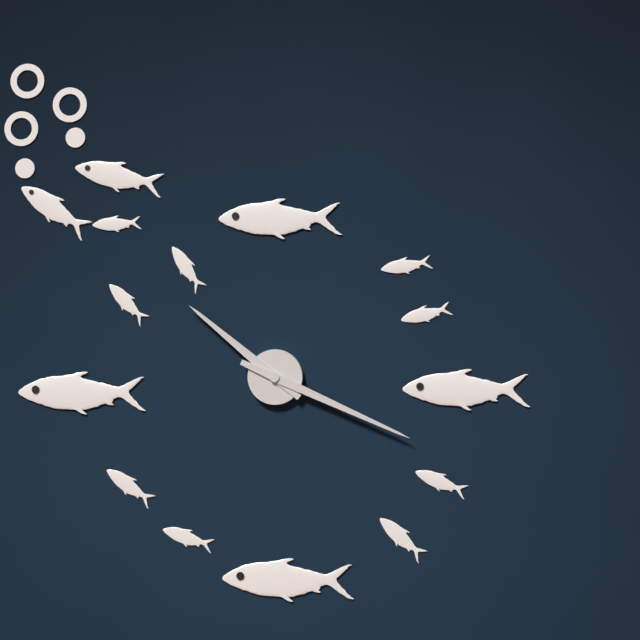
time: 10:19
